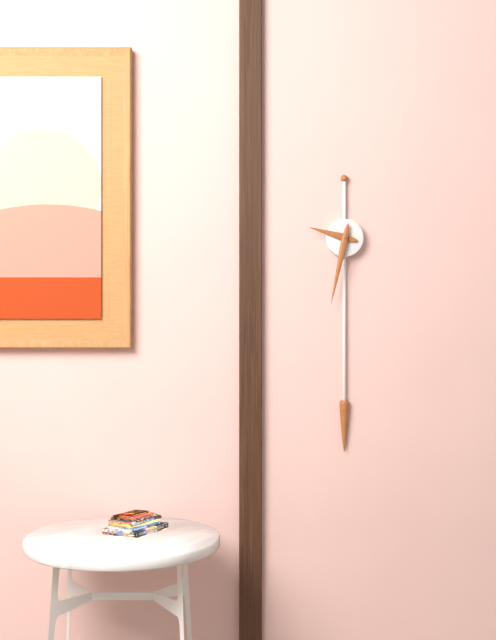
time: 9:32
